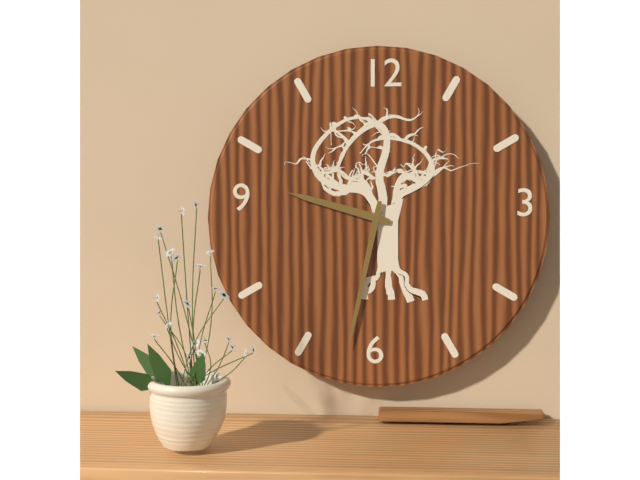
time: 9:32
